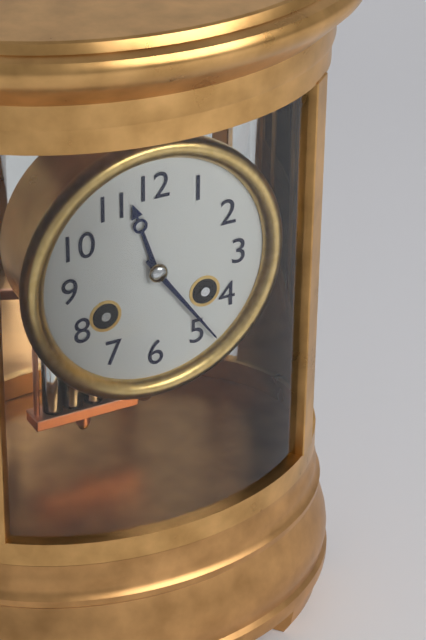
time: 11:24
